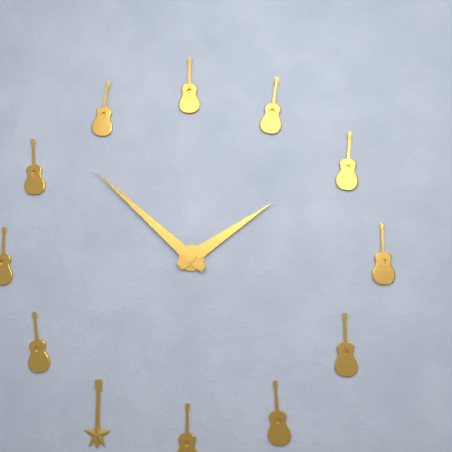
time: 1:52
